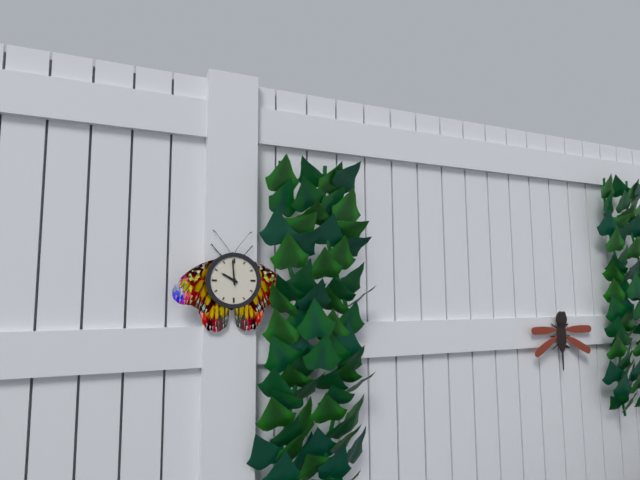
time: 9:59
